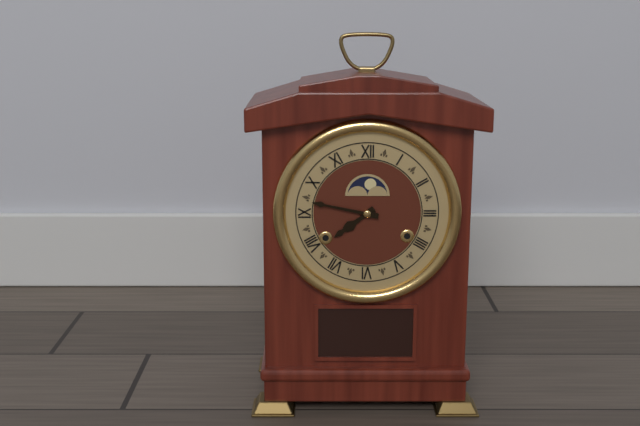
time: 7:47
